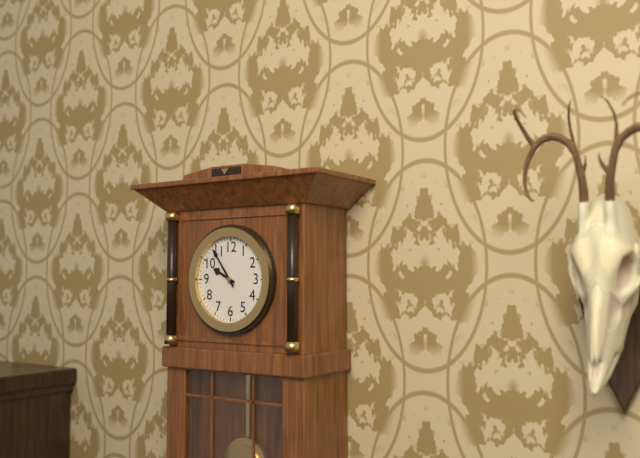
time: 9:54
